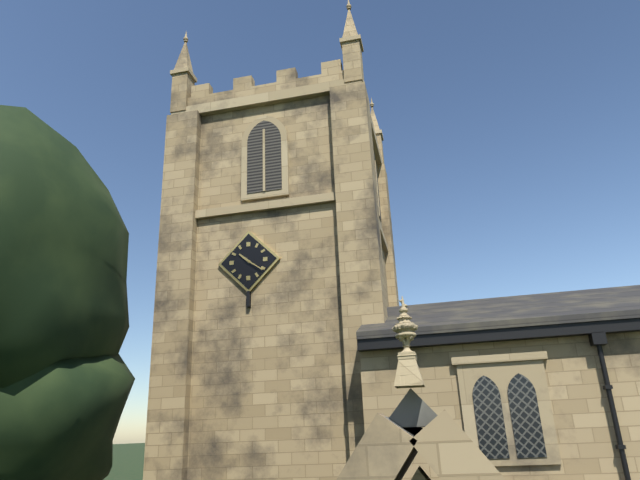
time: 10:21
